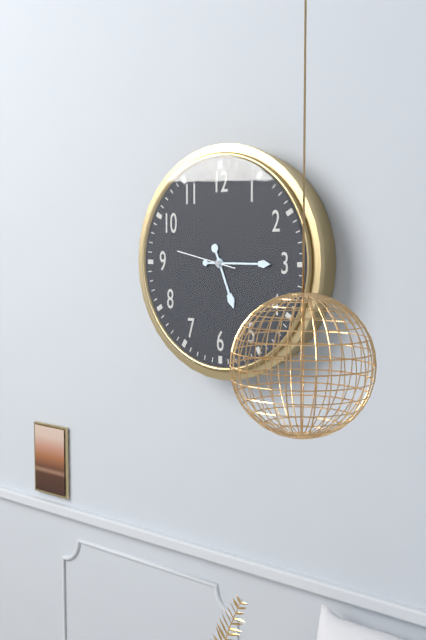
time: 5:15:47
